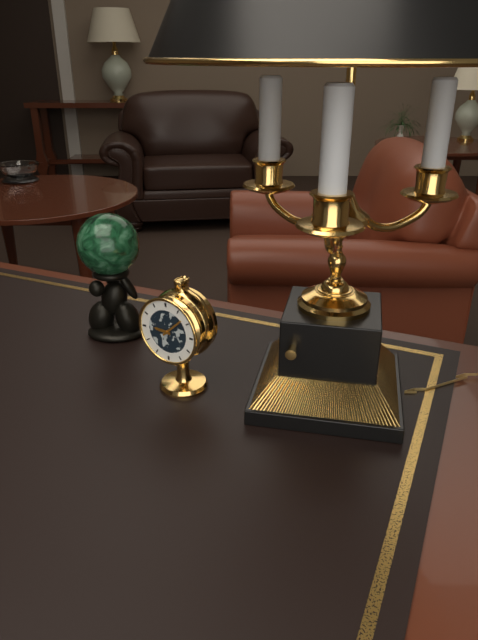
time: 9:08
